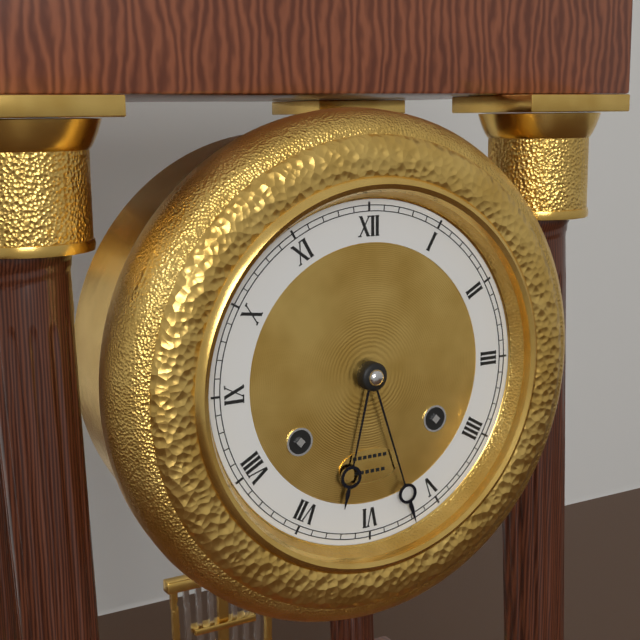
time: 6:27
